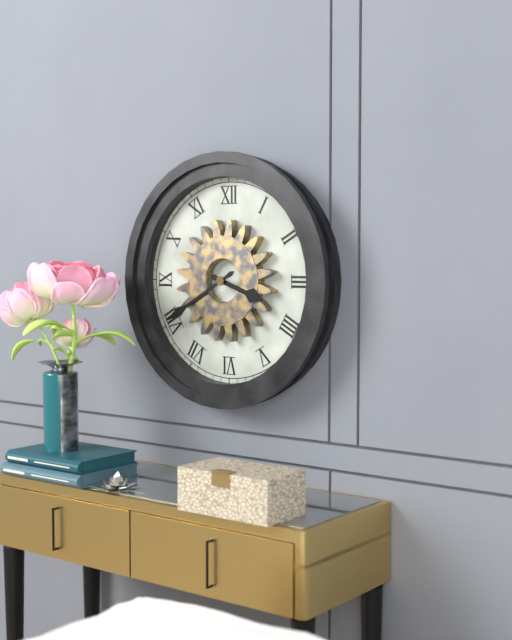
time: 3:40
